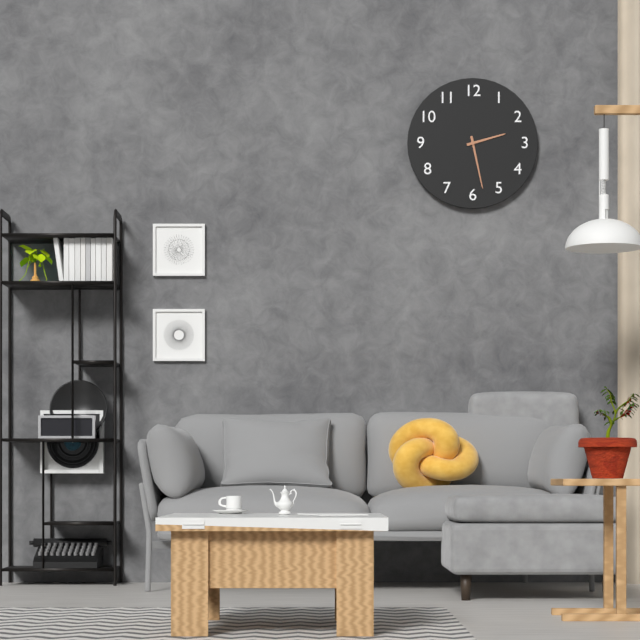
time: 2:28
